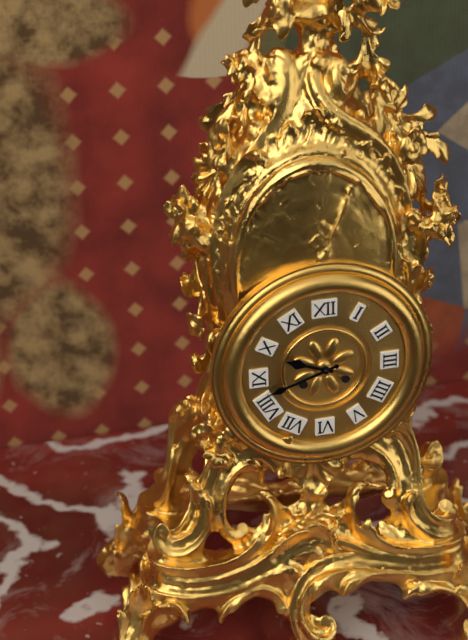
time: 9:42
